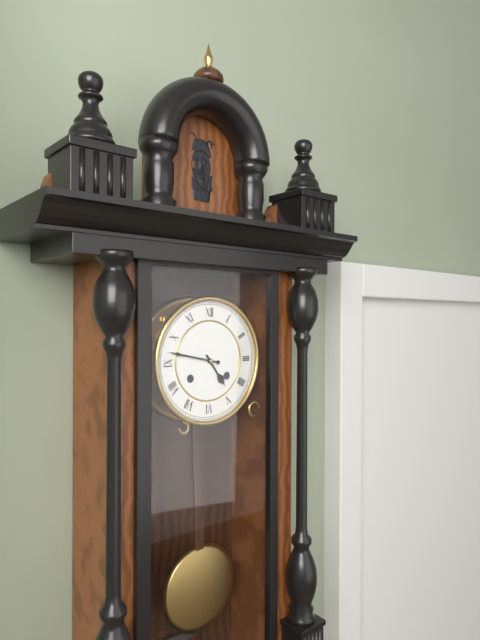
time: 4:47
